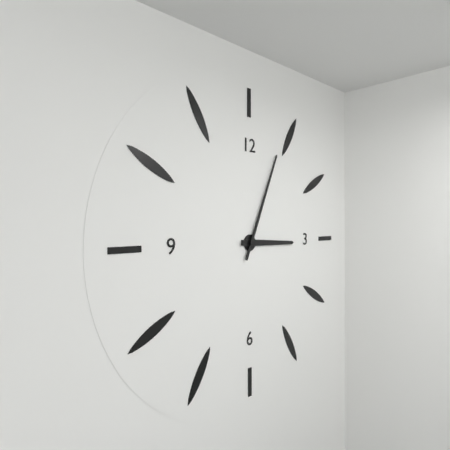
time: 3:04
